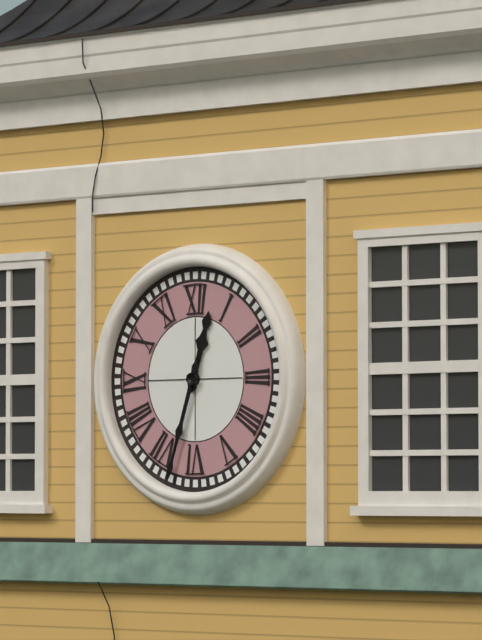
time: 12:33
